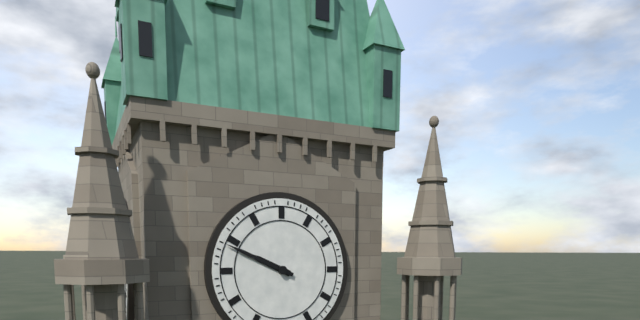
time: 9:49
